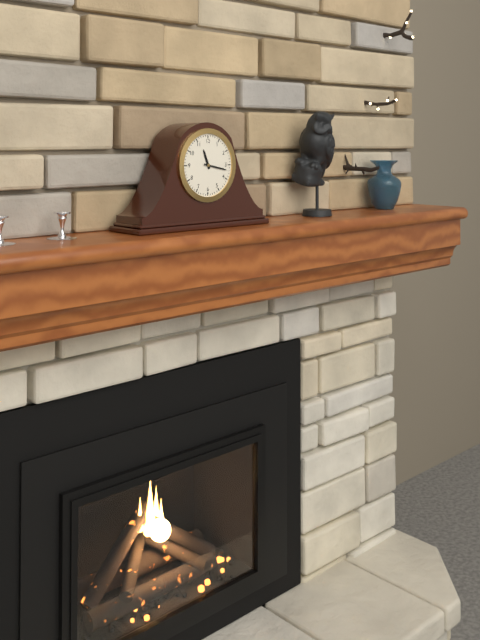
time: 11:17
